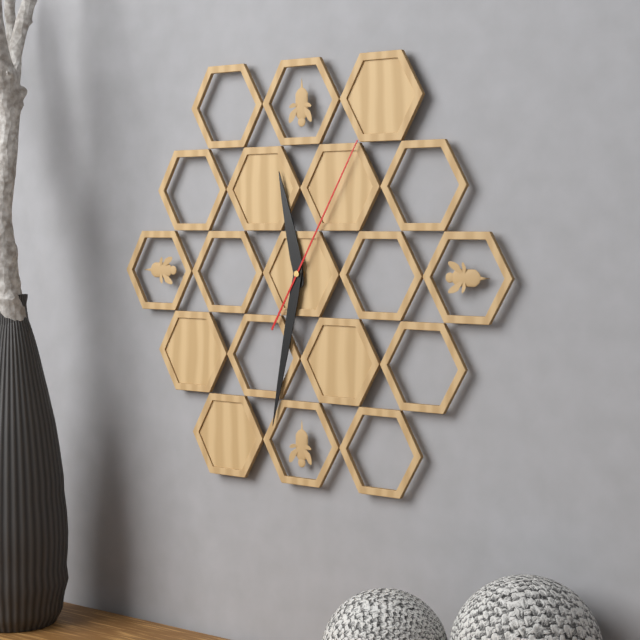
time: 11:32:05
